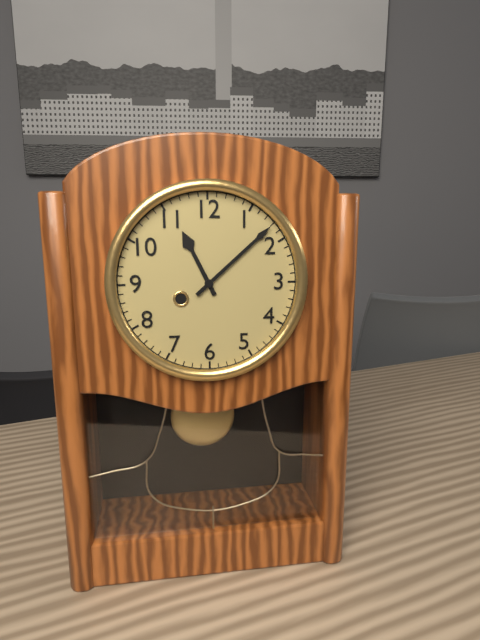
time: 11:08
